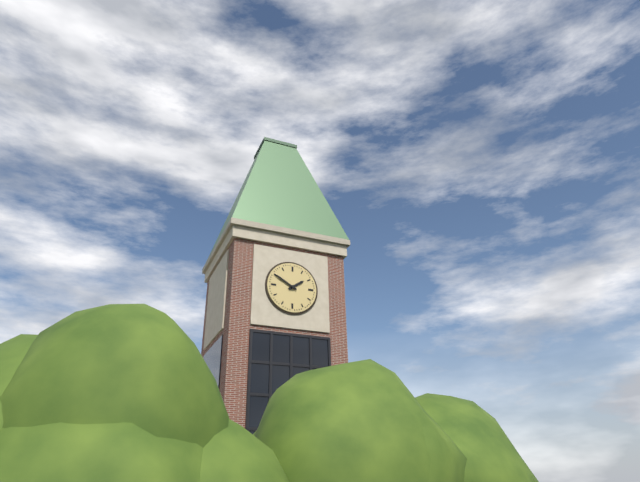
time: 1:50
